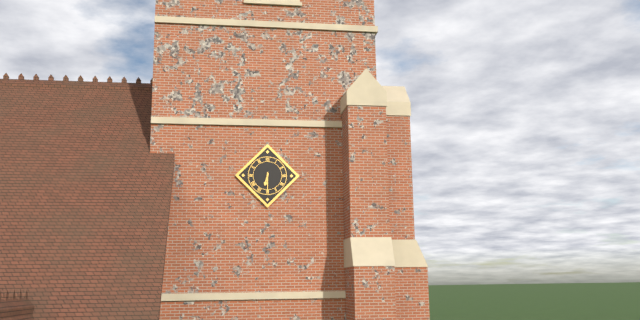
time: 6:30
